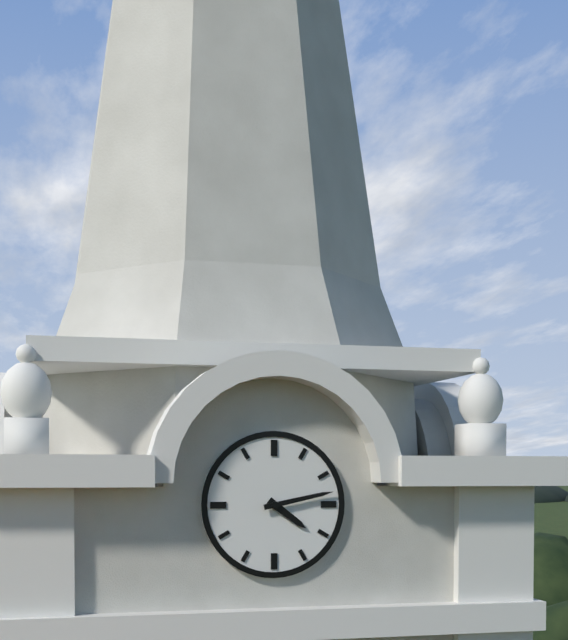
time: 4:13
